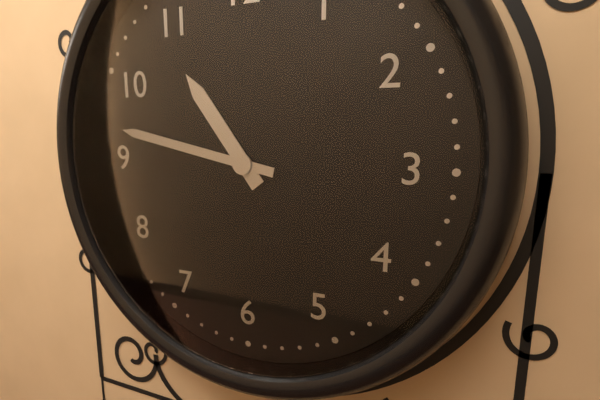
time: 10:47
